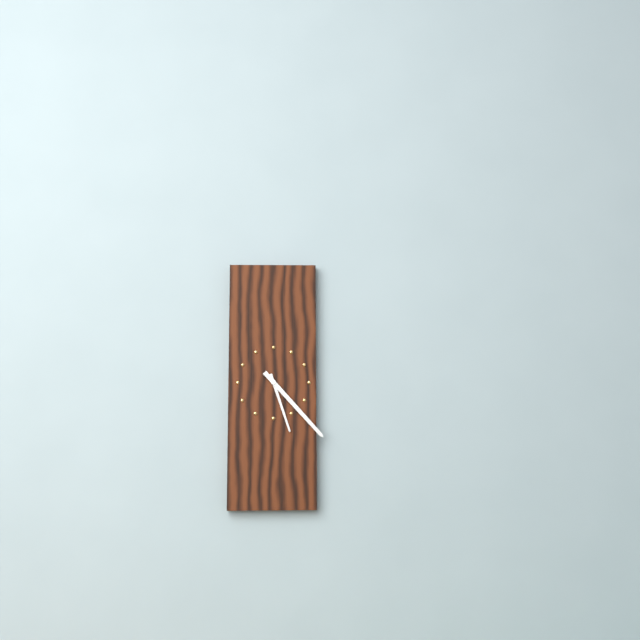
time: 5:23
